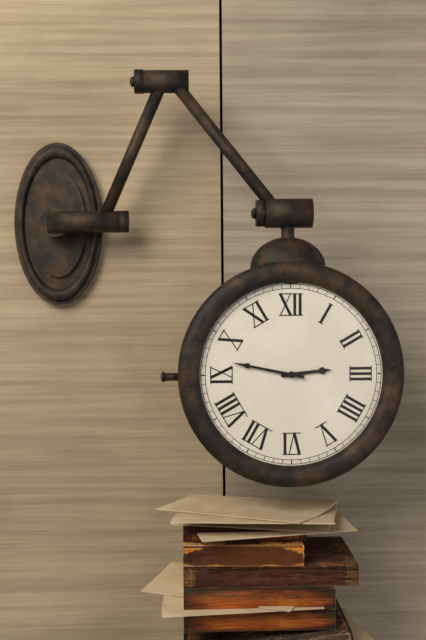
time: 2:47
